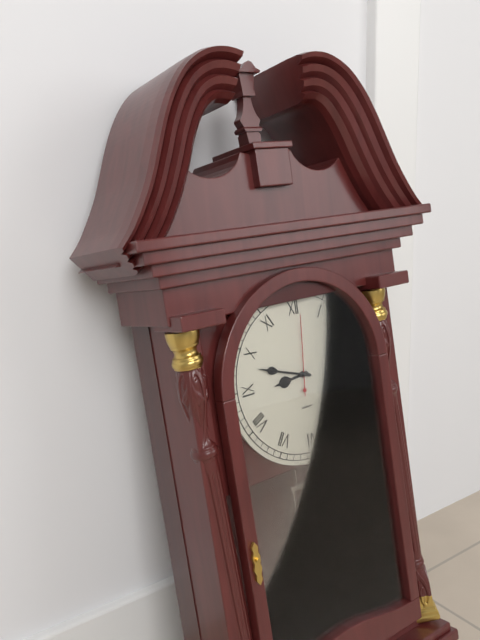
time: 8:48:01
